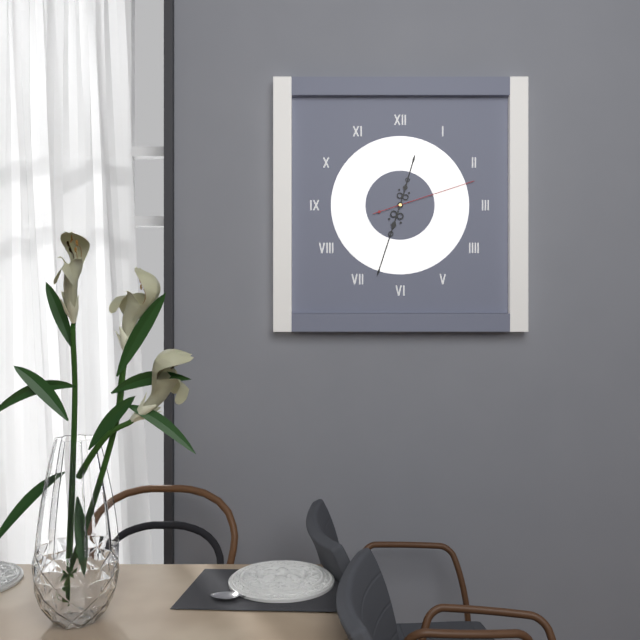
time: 12:33:12
